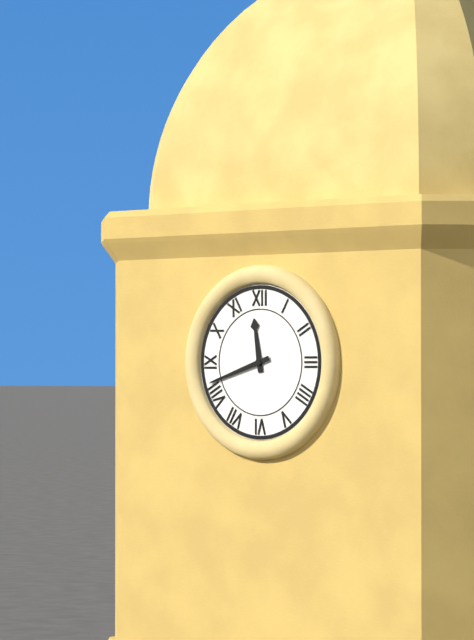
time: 11:42
